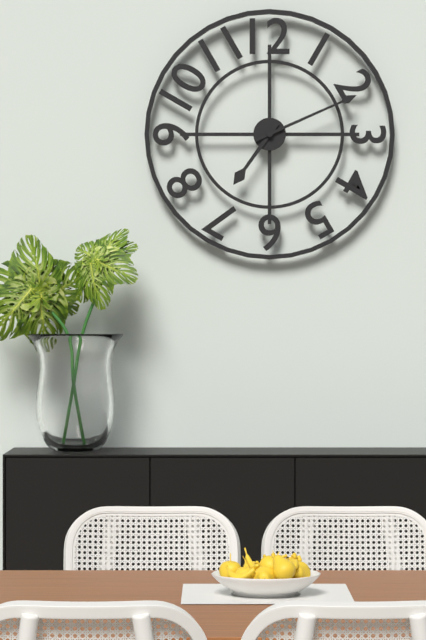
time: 7:11
